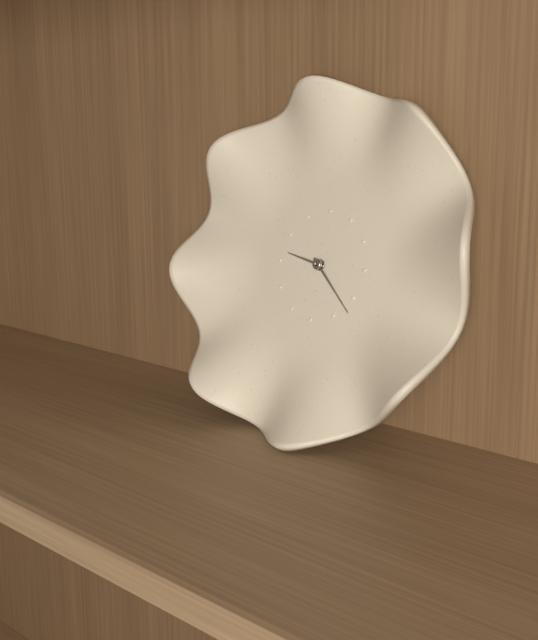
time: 9:22
